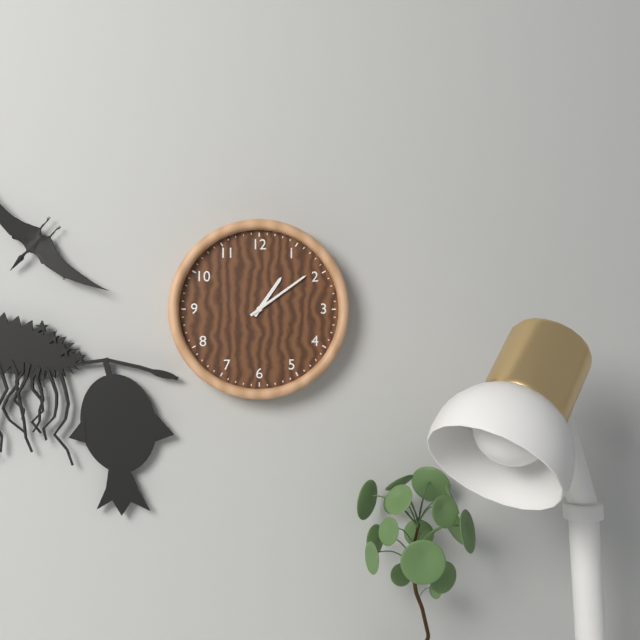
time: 1:09
